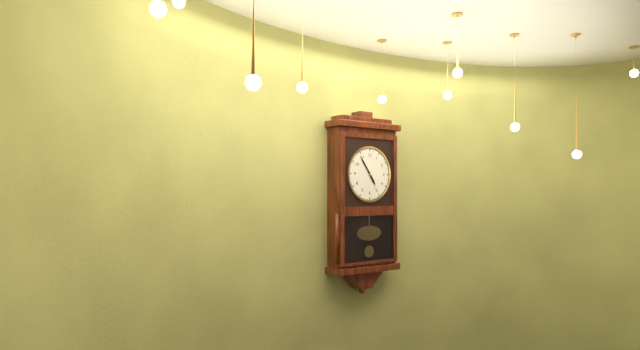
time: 4:54
